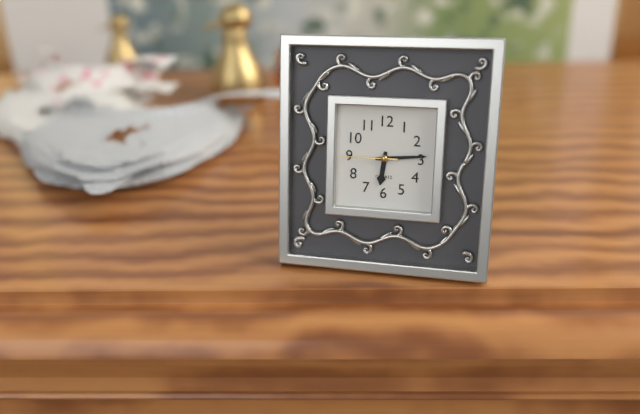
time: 6:14:45
